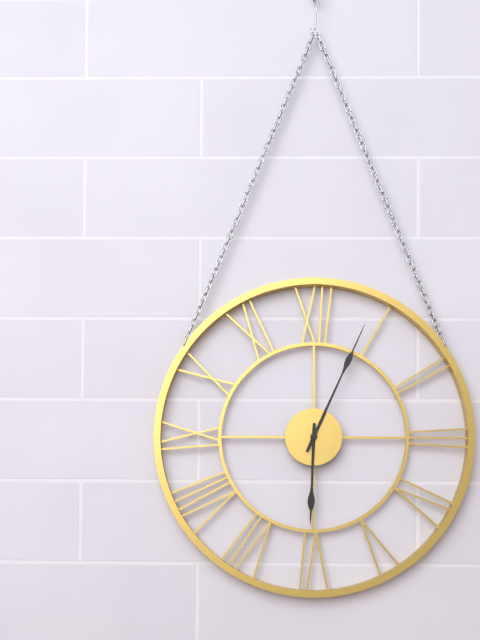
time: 6:04
